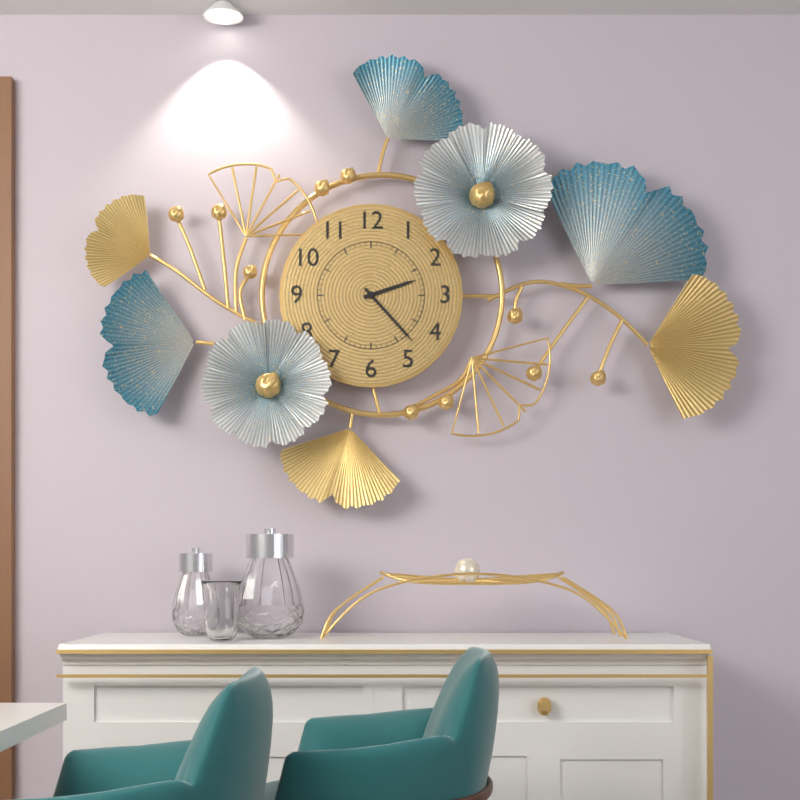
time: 2:23
